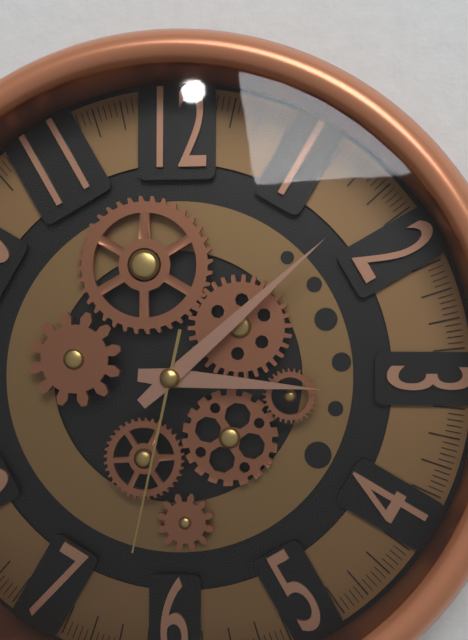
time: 3:08:32
